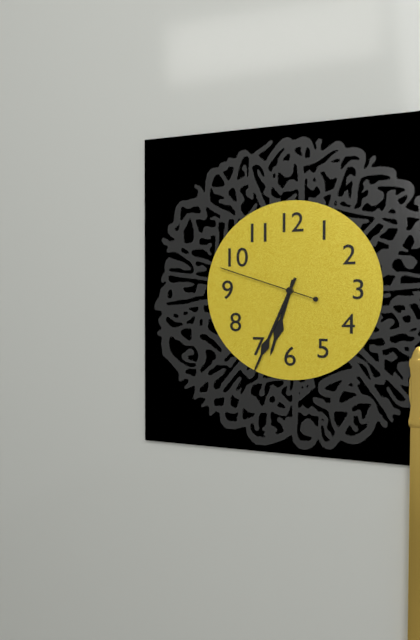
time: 6:34:48
